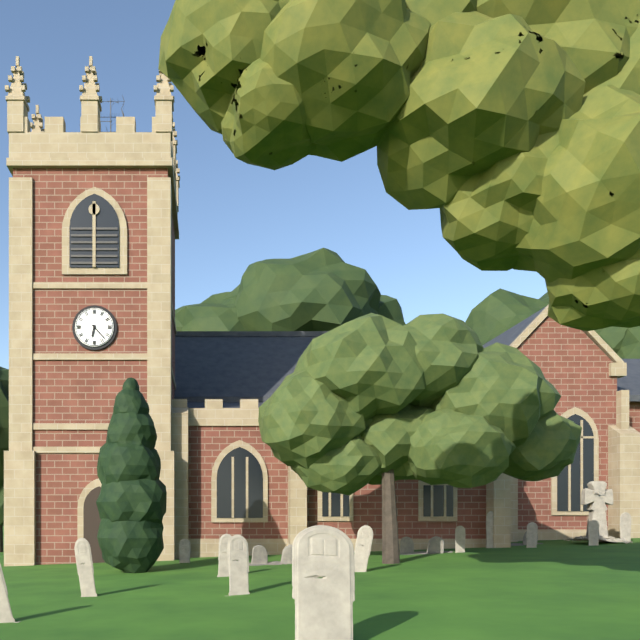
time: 6:23
